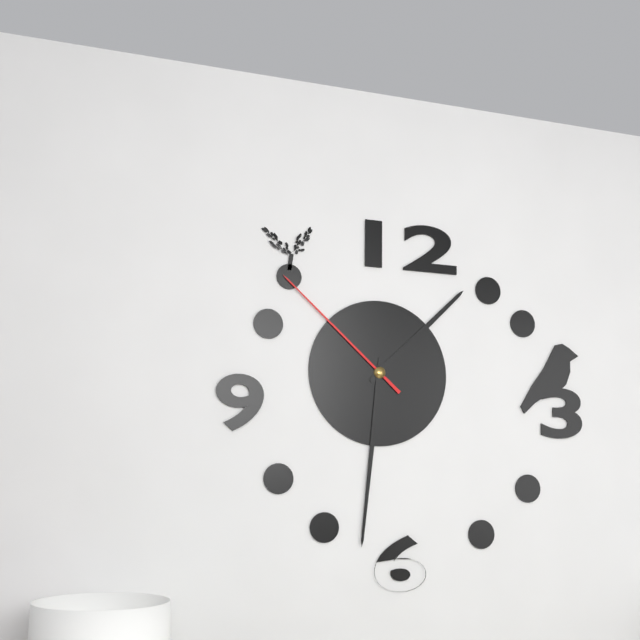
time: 1:31:52
